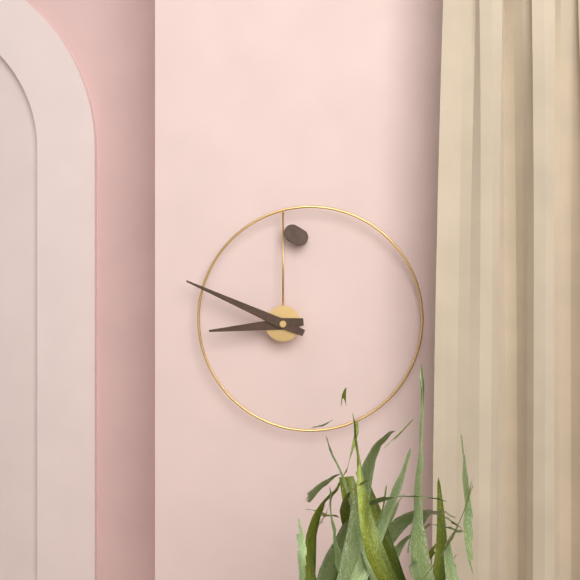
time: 8:49
